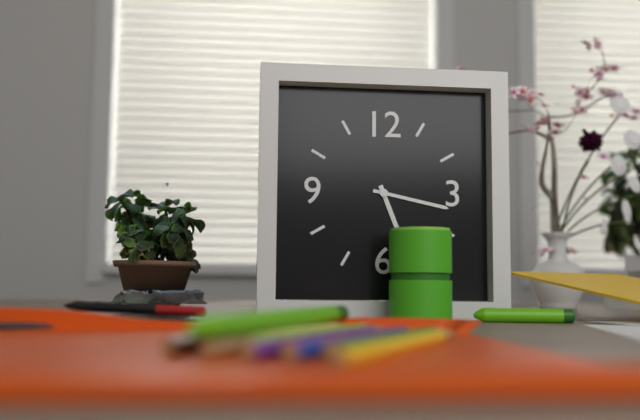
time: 5:17
